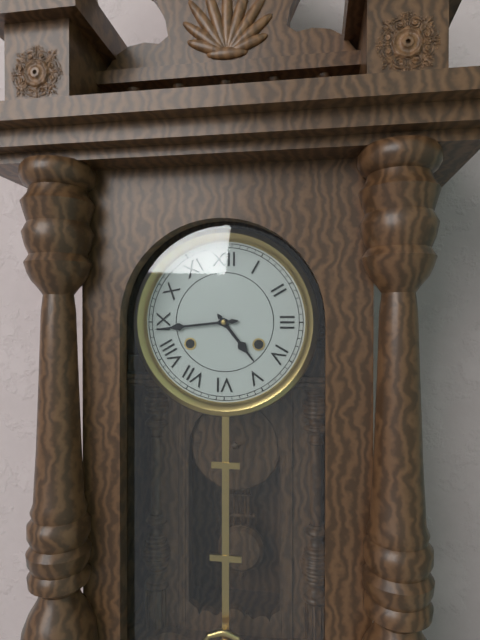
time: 4:44
